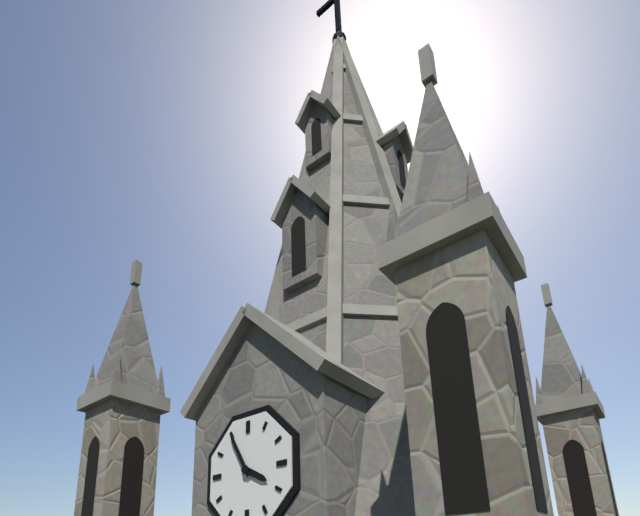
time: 3:55
